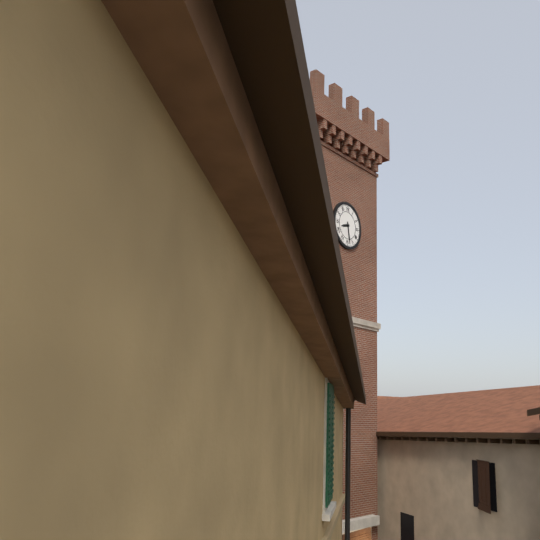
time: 8:28
